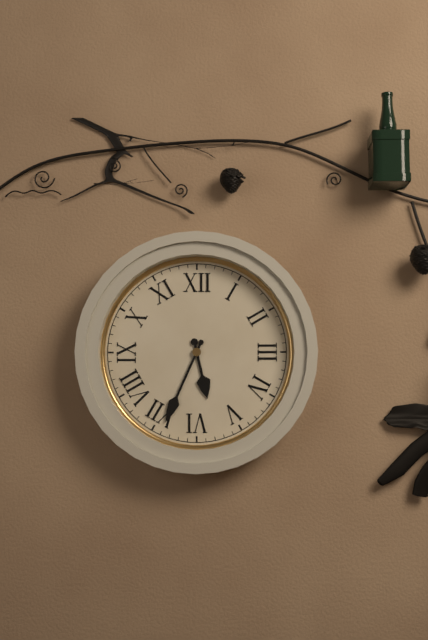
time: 5:34
